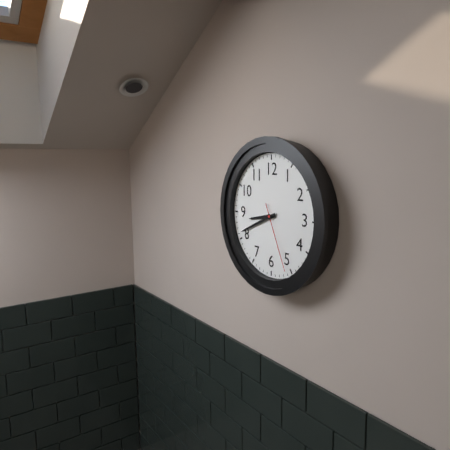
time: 8:41:26
